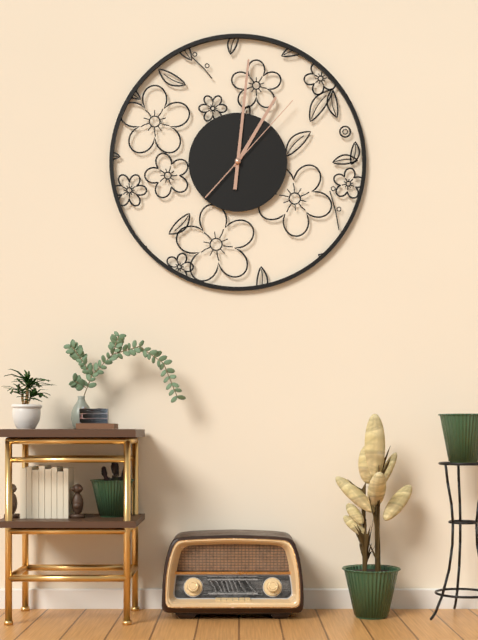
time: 1:01:07
